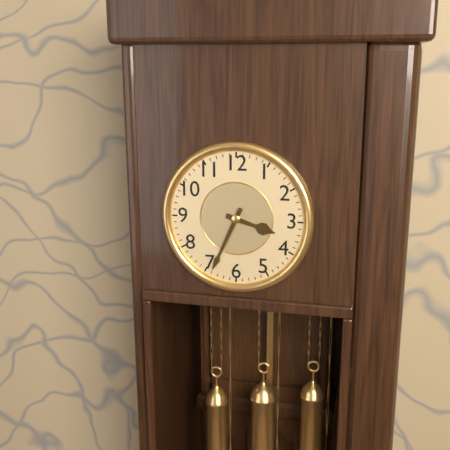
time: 3:34
